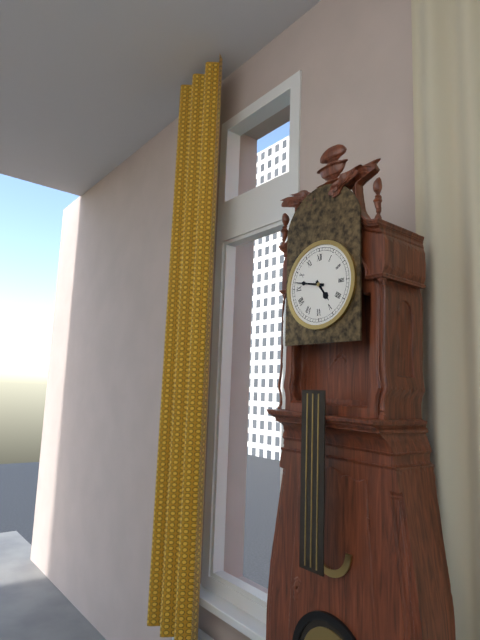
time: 4:47
